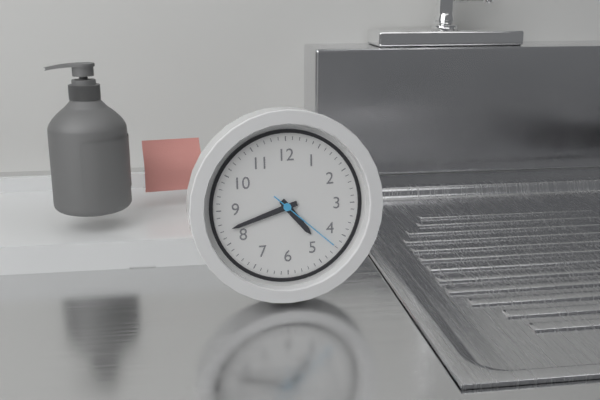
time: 4:42:22
